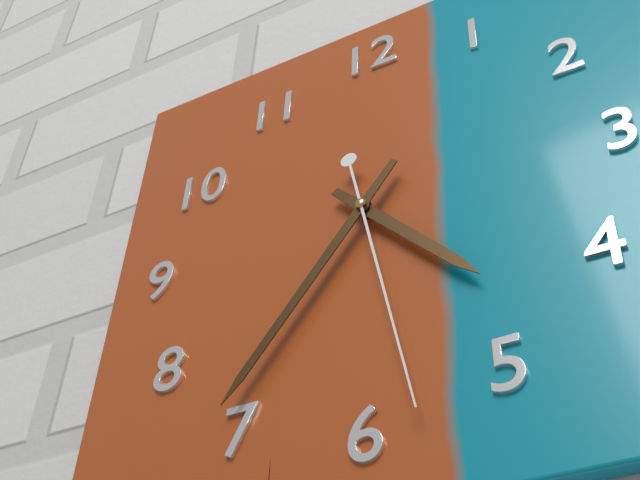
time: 4:36:28
